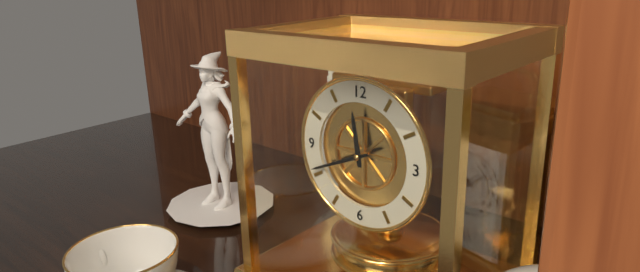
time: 11:41
